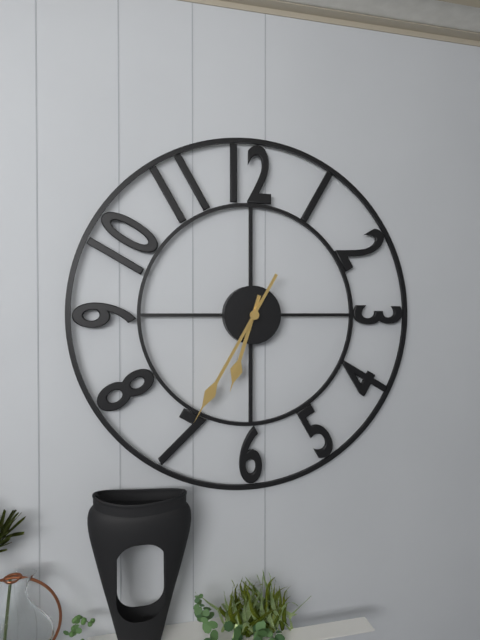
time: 6:35
